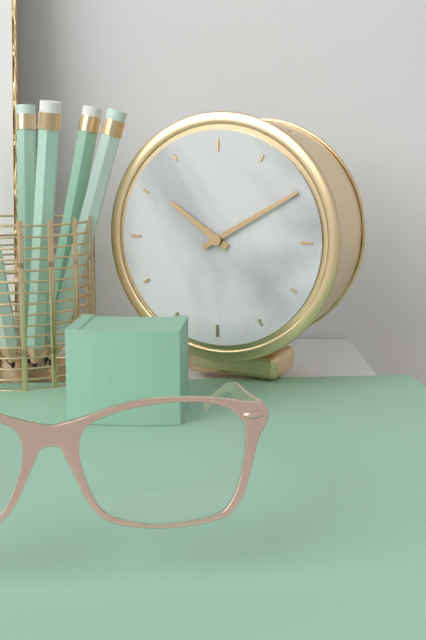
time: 10:10
